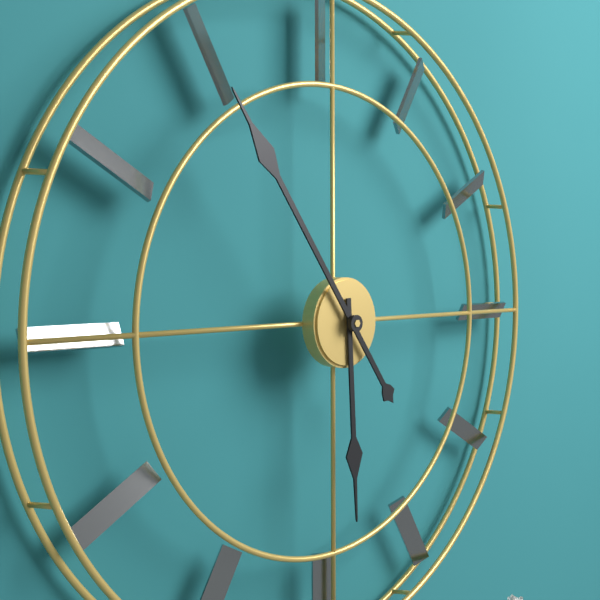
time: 5:54
